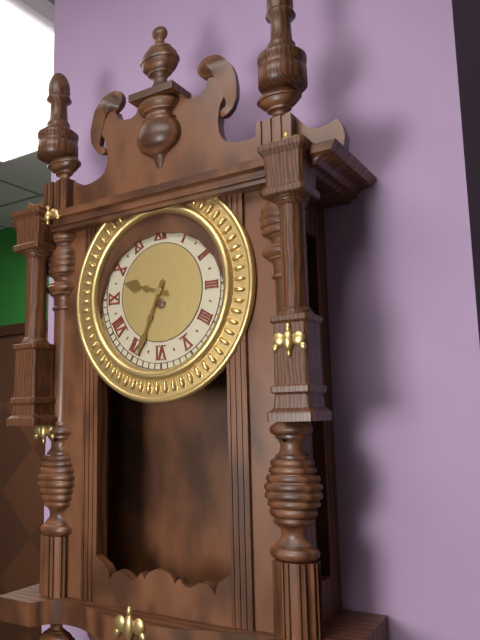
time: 9:34
